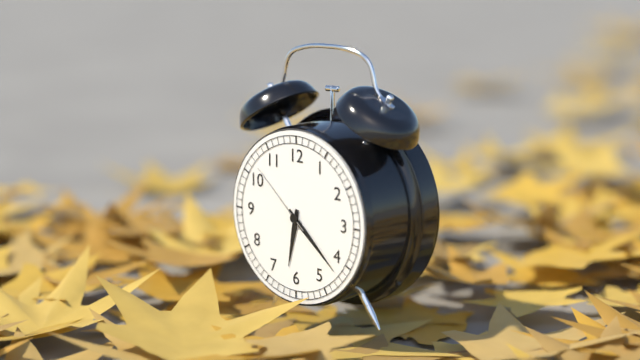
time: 6:22:52
